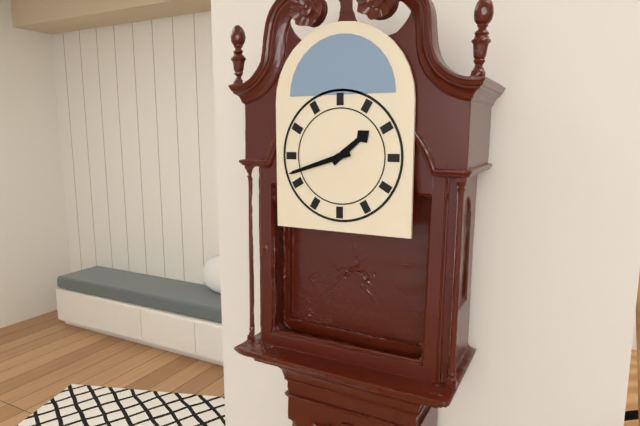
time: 1:42
